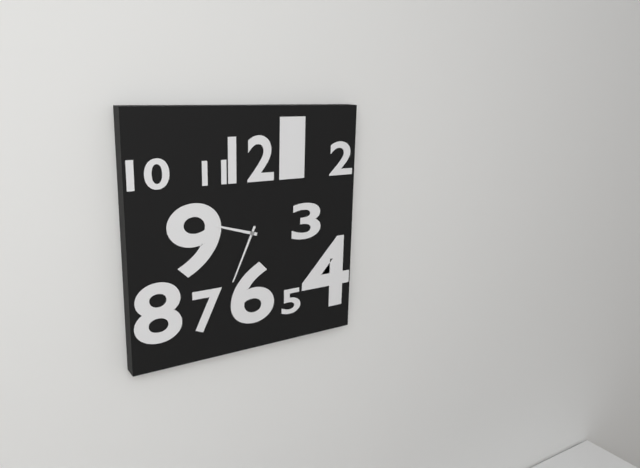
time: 9:34
